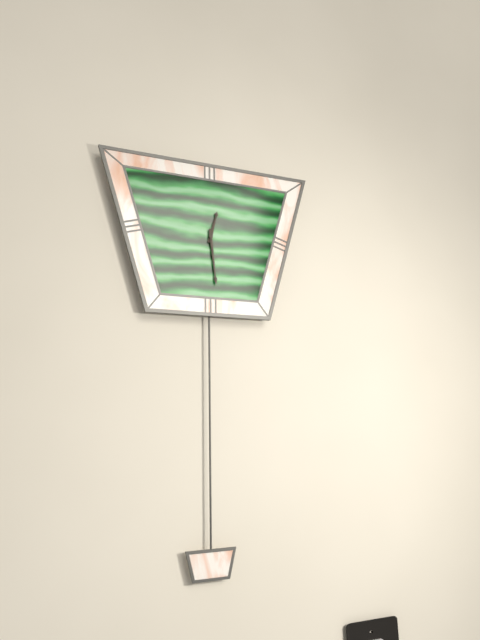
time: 12:29
